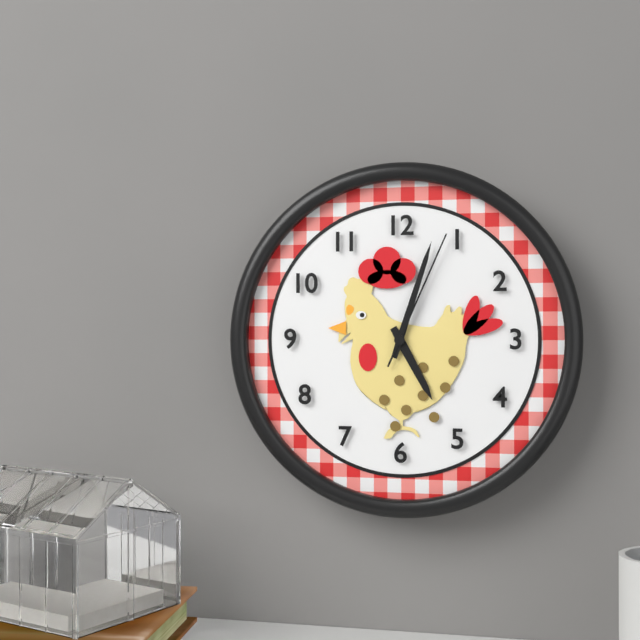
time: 5:03:04
